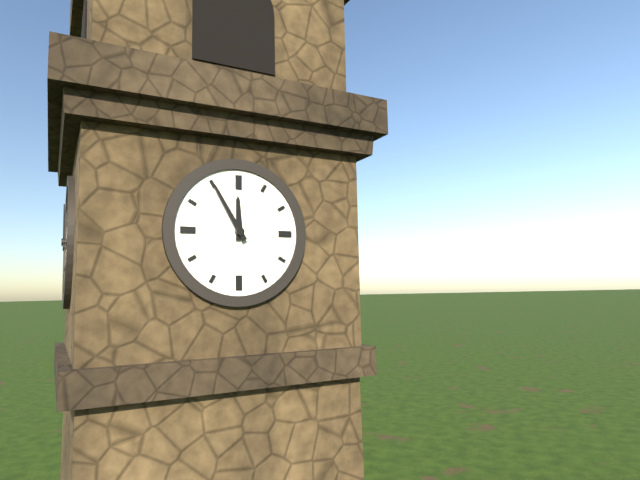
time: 11:55
